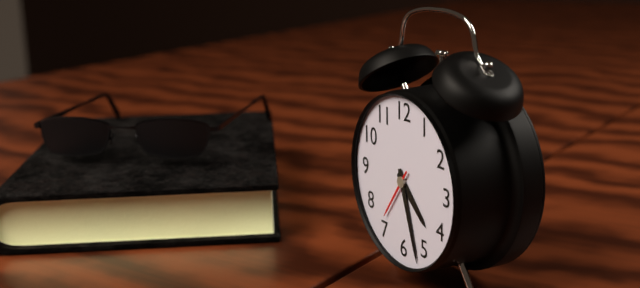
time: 4:27
